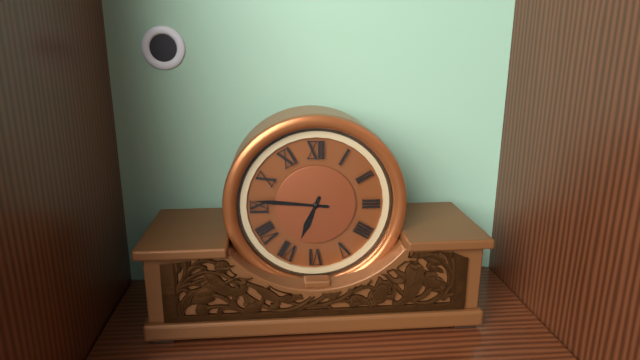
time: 6:46
